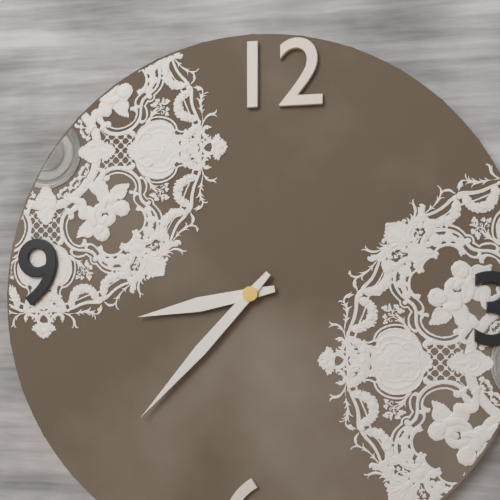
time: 8:37
